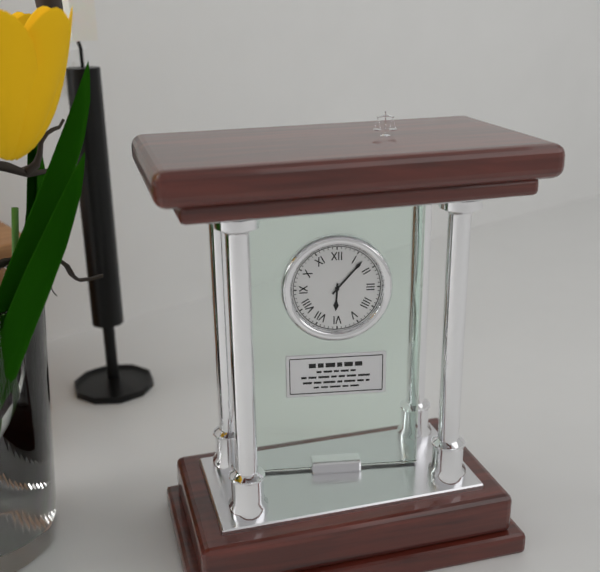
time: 6:07
